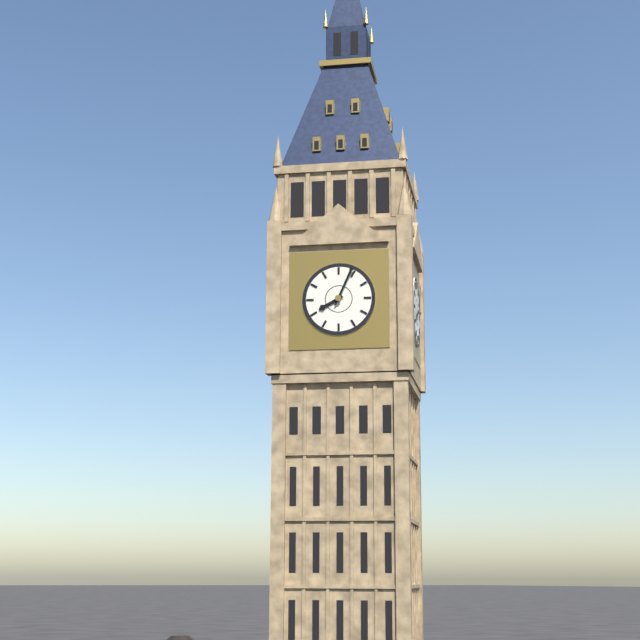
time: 8:04
